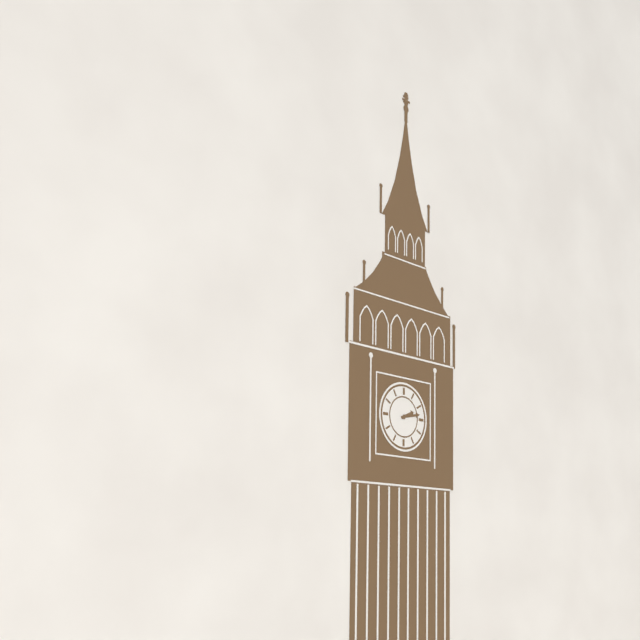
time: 2:13
